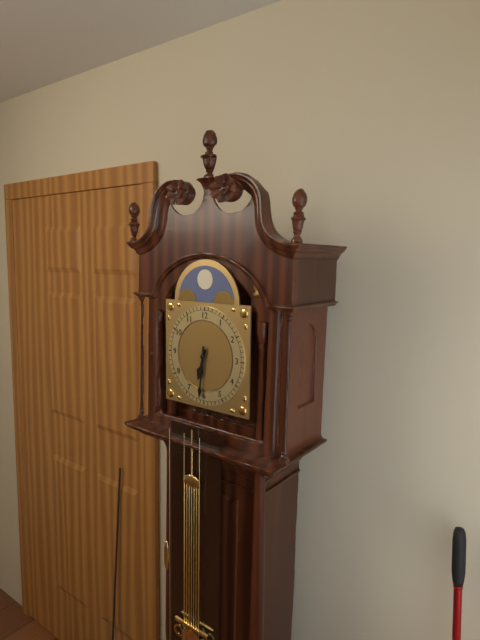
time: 6:31
